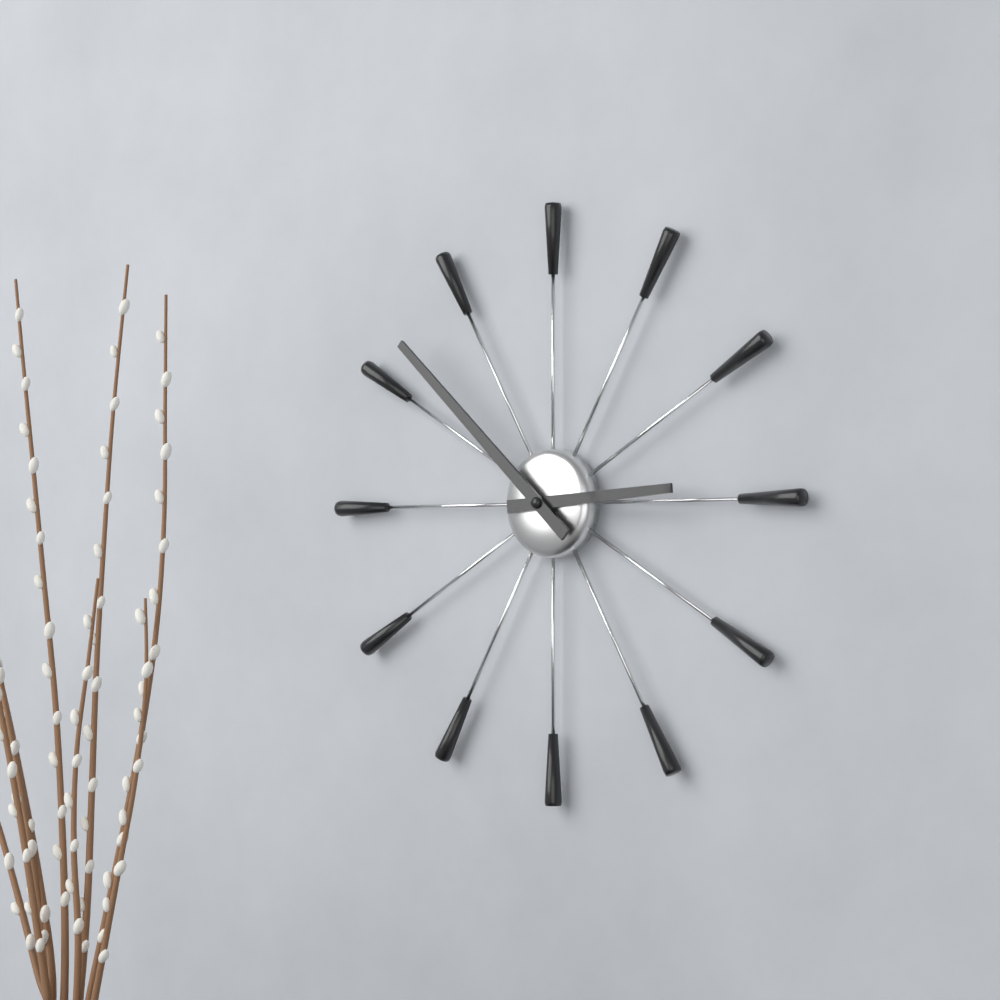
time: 2:52
